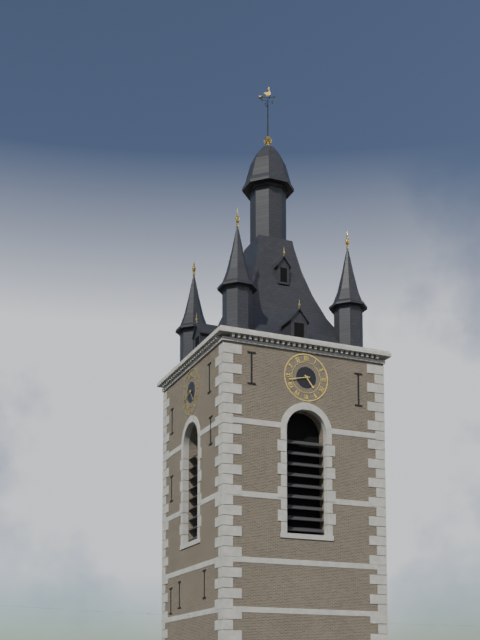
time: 4:43
